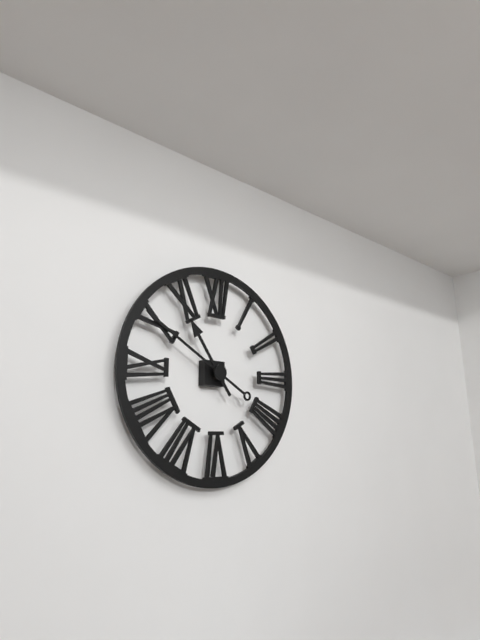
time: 10:50
